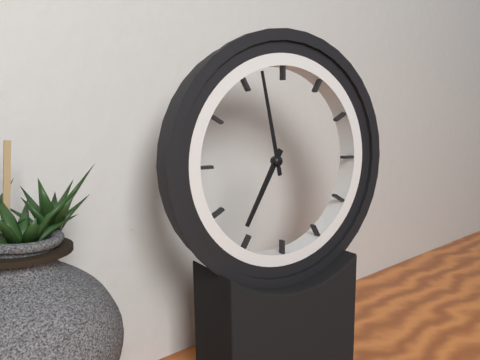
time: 6:58
